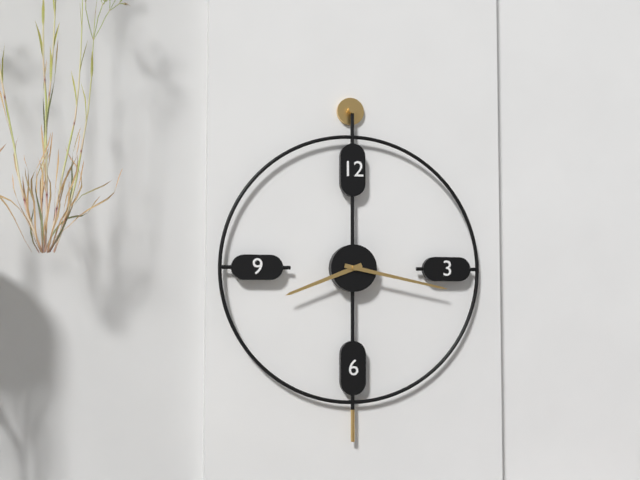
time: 8:17
